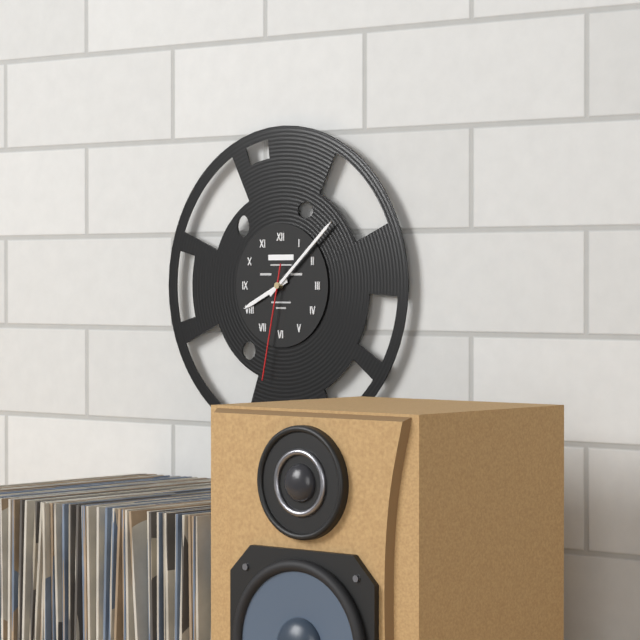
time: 8:08:32
